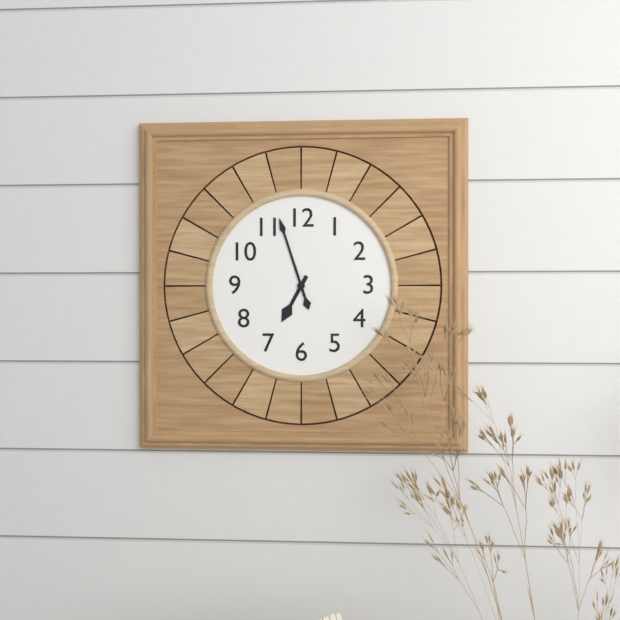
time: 6:57
